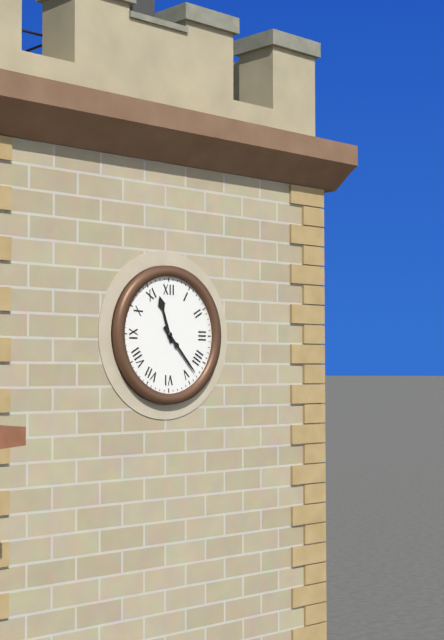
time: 11:23
